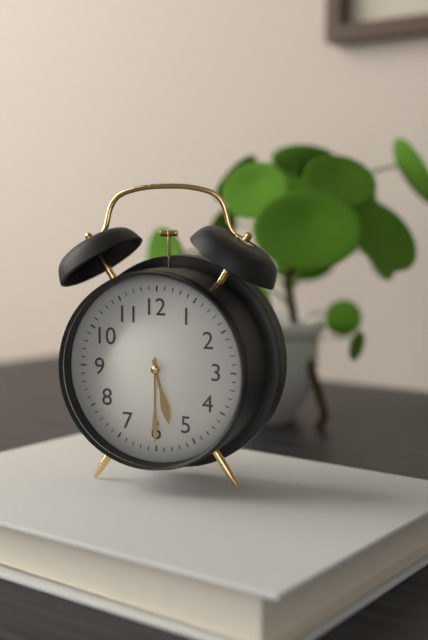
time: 5:30
